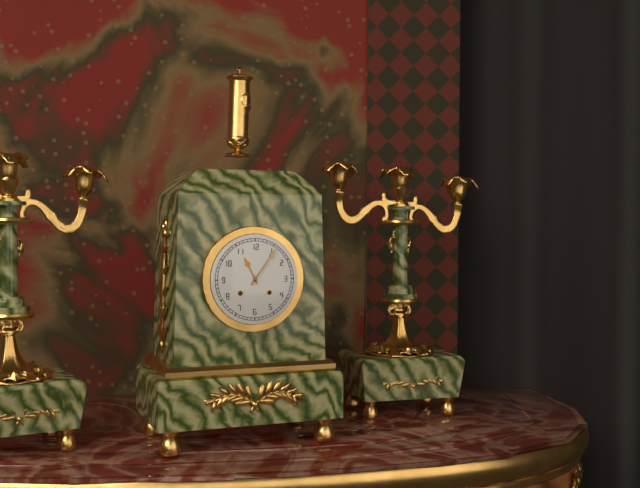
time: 11:06
